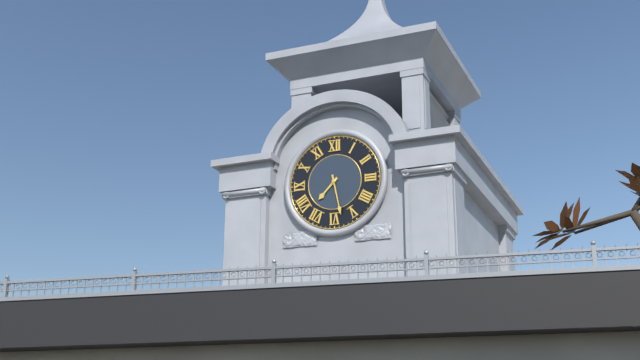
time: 7:28
